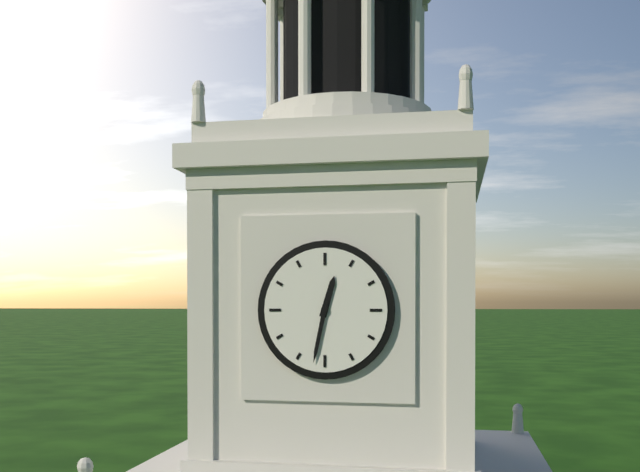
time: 12:32
